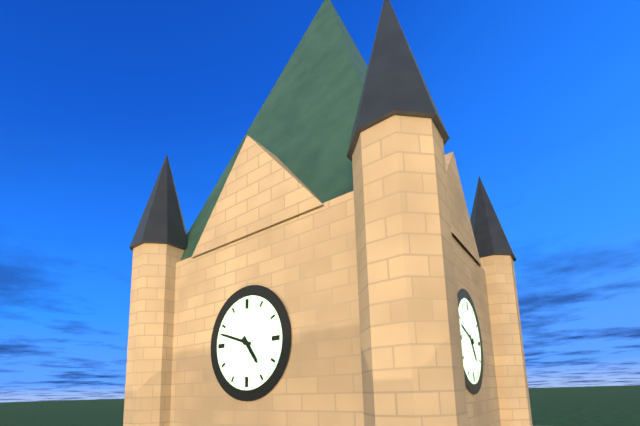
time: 4:48
